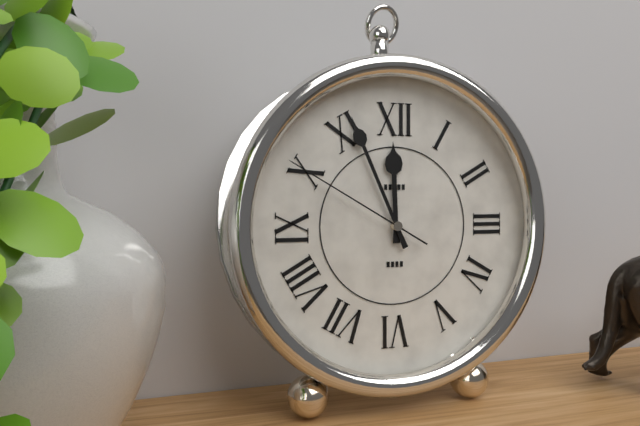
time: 11:56:50
